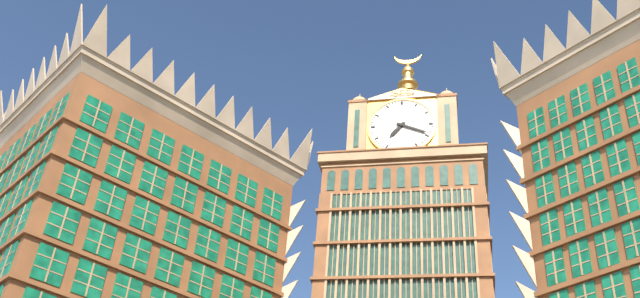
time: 7:19
